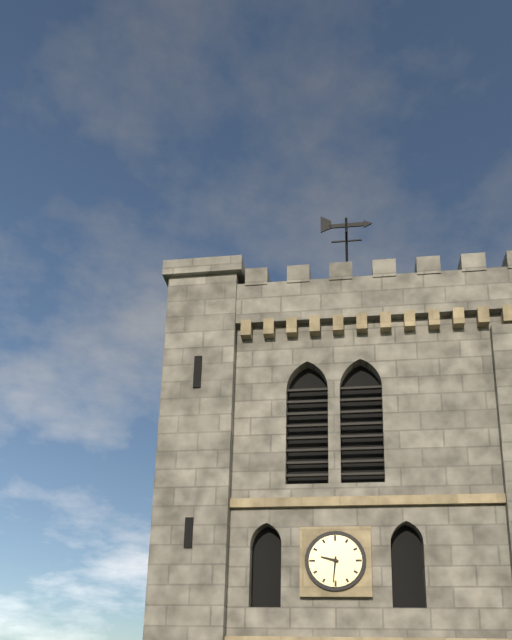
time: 9:31
